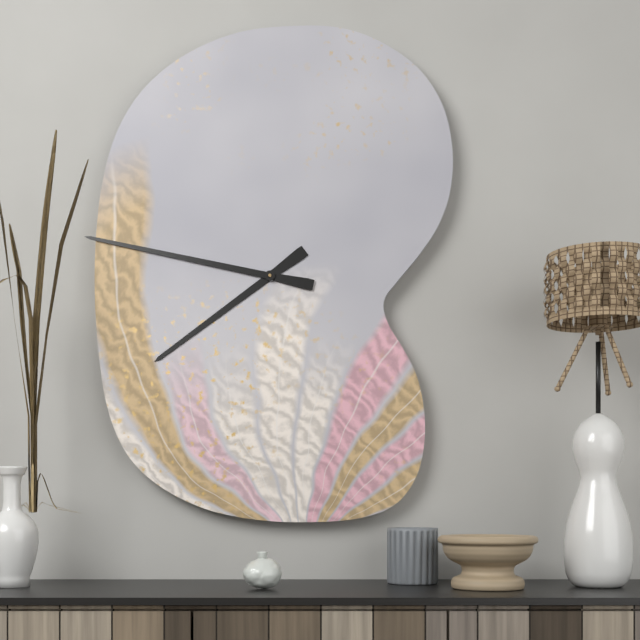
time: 7:47
